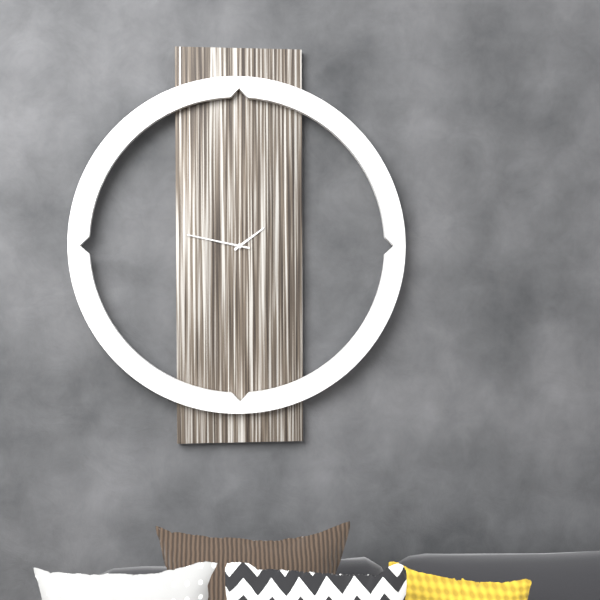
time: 1:47
